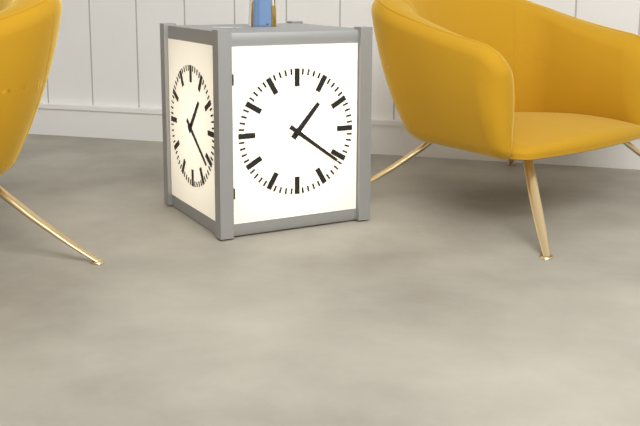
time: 1:21
